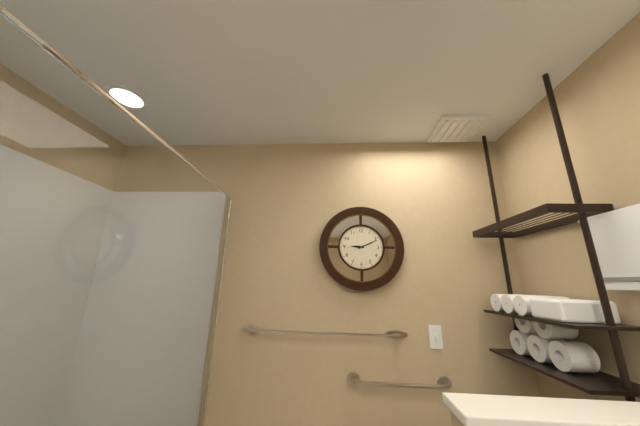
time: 9:11
